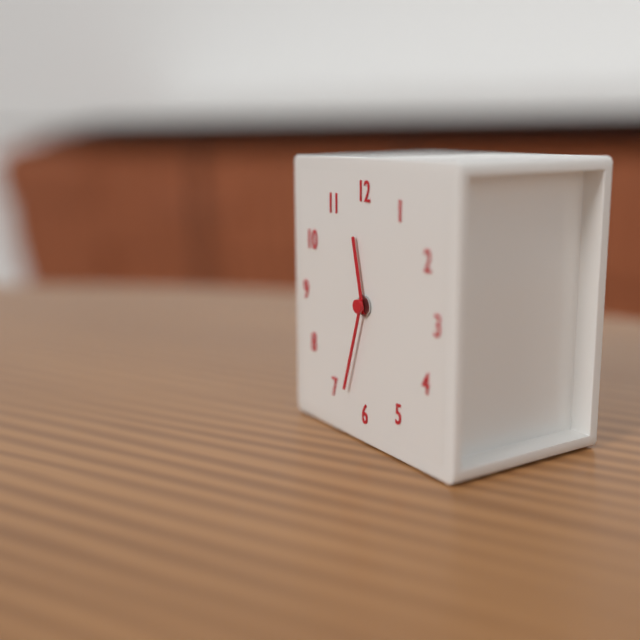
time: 11:33
